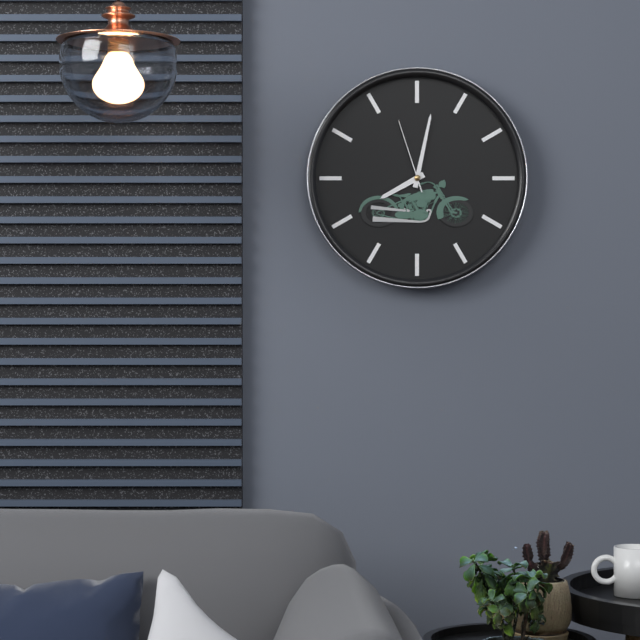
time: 8:02:57
